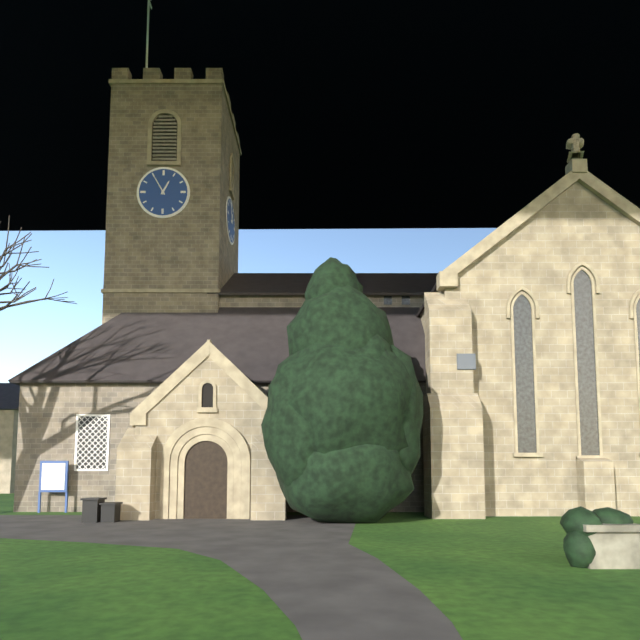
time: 12:55
